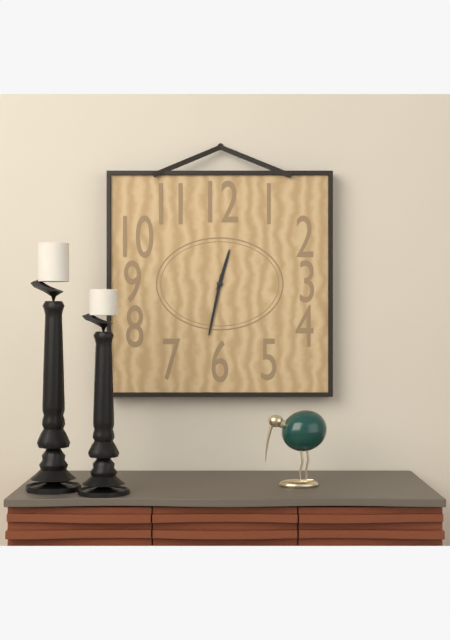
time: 12:32
